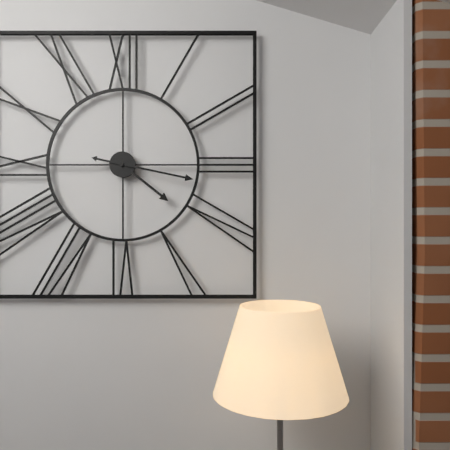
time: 4:17
